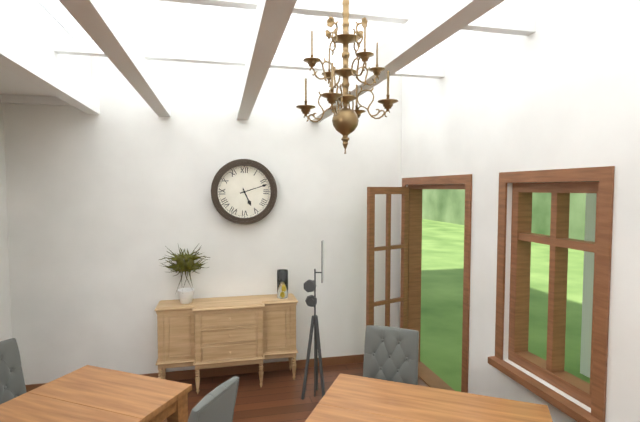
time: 5:12
